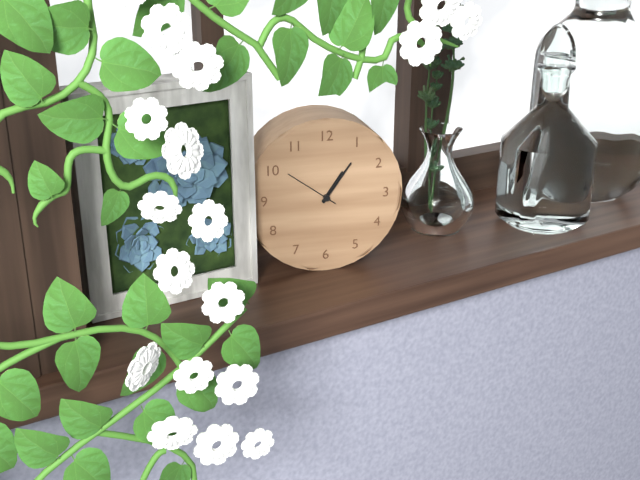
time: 1:06
